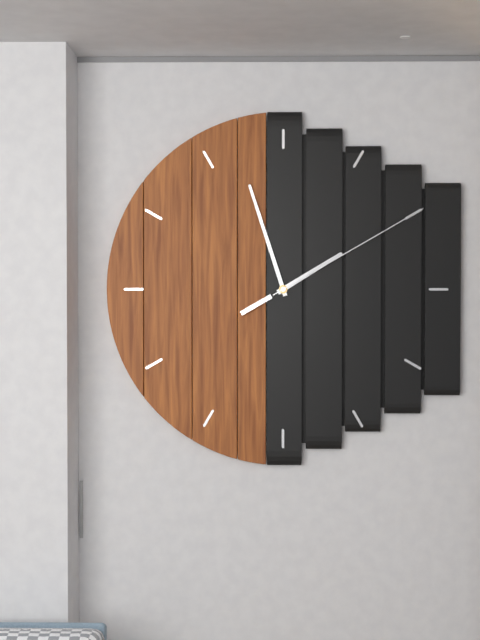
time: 1:57:10
